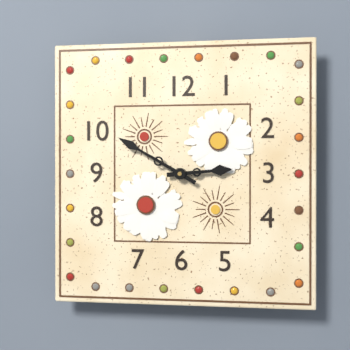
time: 2:50
